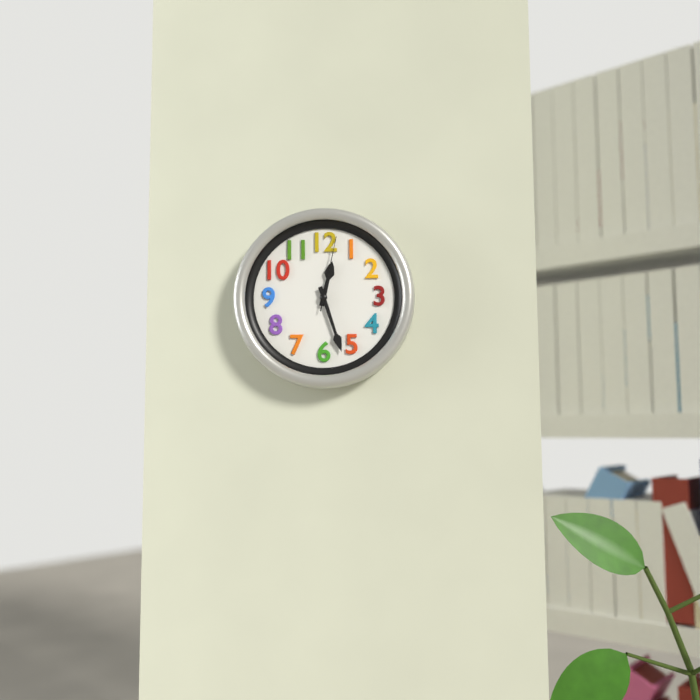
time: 12:27:02
